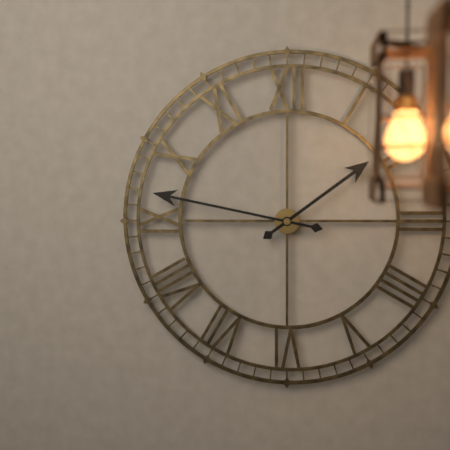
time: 1:47
